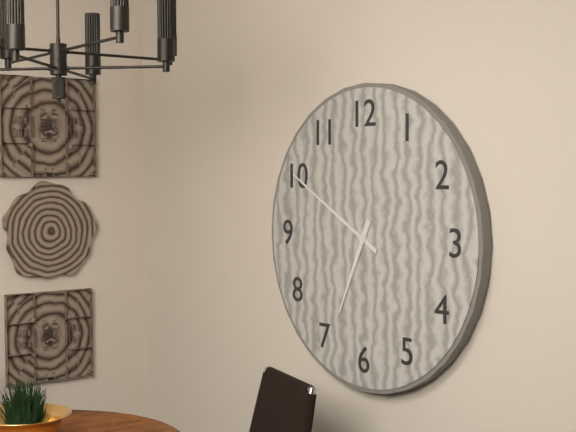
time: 6:50
